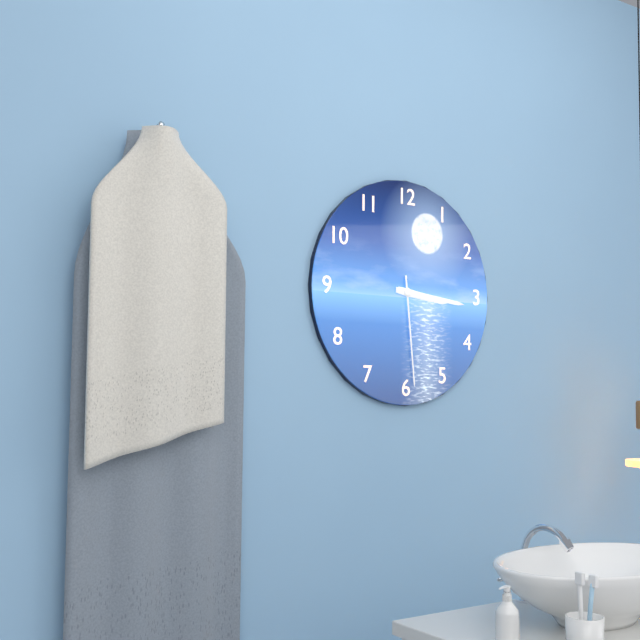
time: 3:16:29
